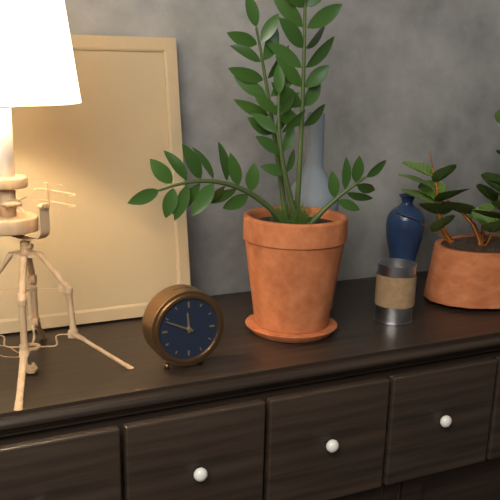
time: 11:49
